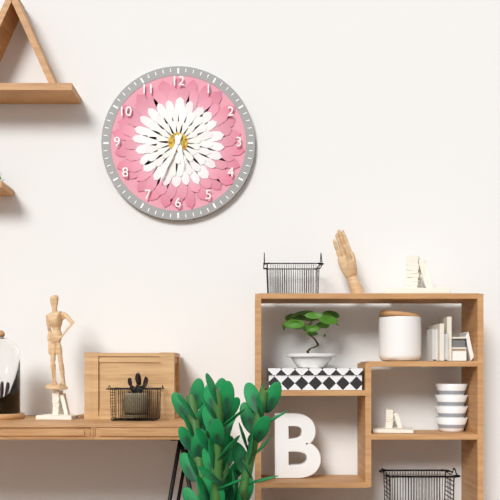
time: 5:34
